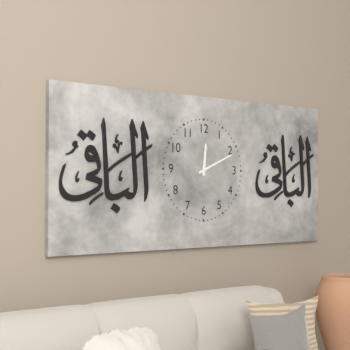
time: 12:11
